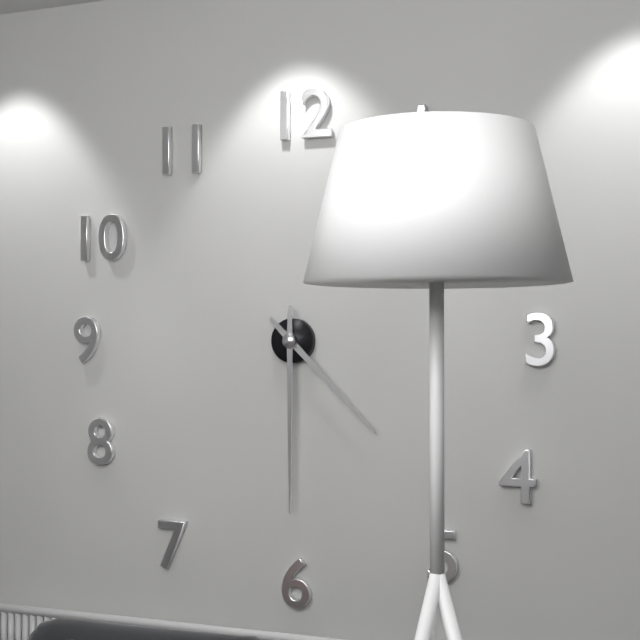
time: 4:30
